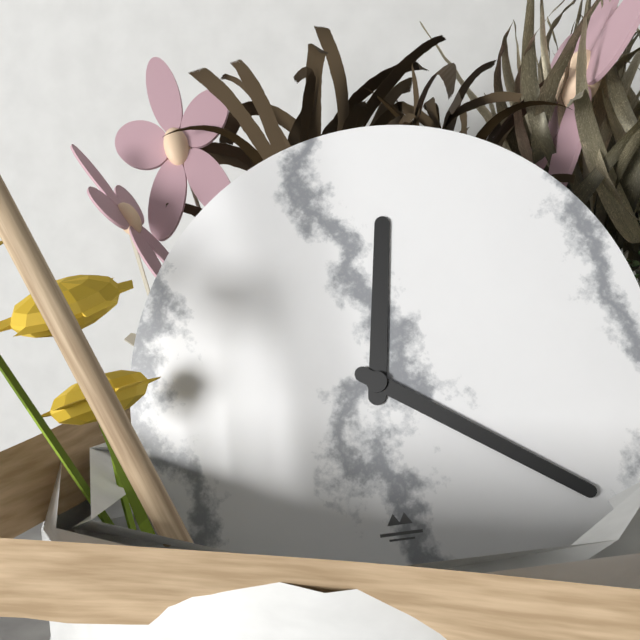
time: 12:21
